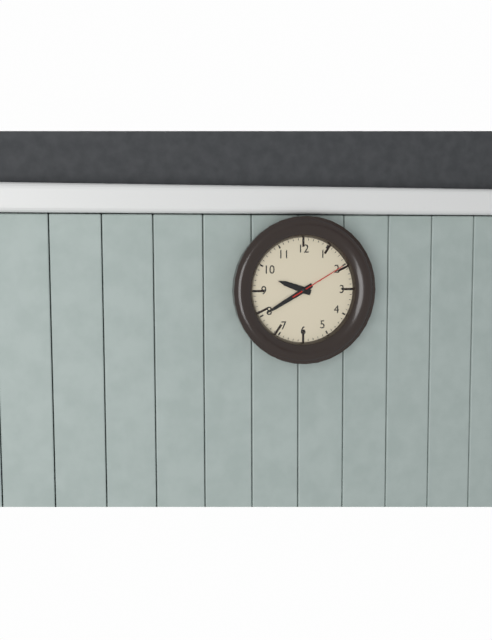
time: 9:40:10
